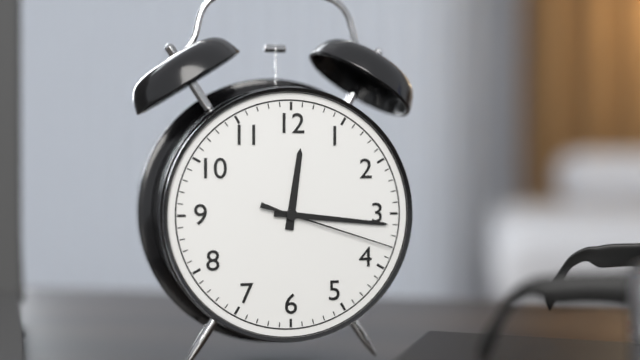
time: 12:16:18
